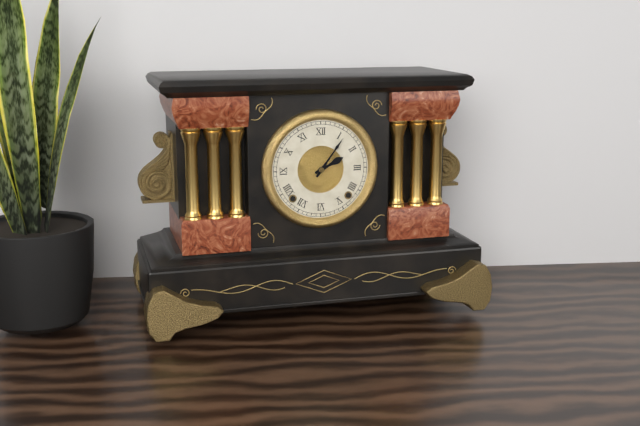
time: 2:06
